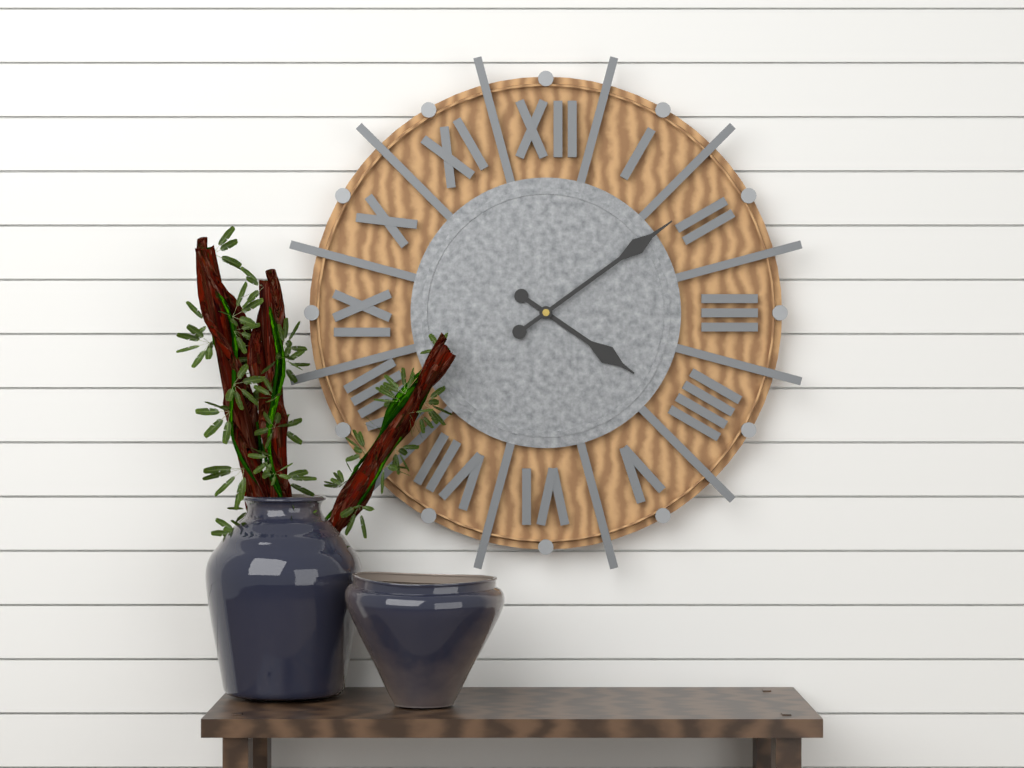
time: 4:09
